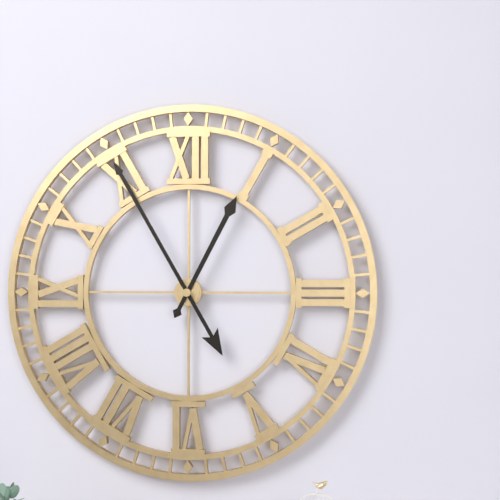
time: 12:55
